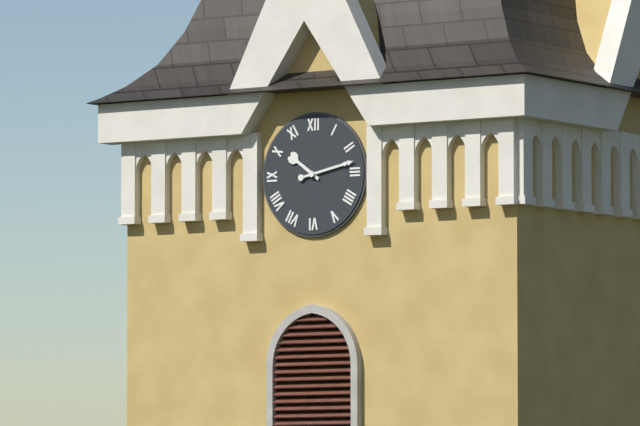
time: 10:13
